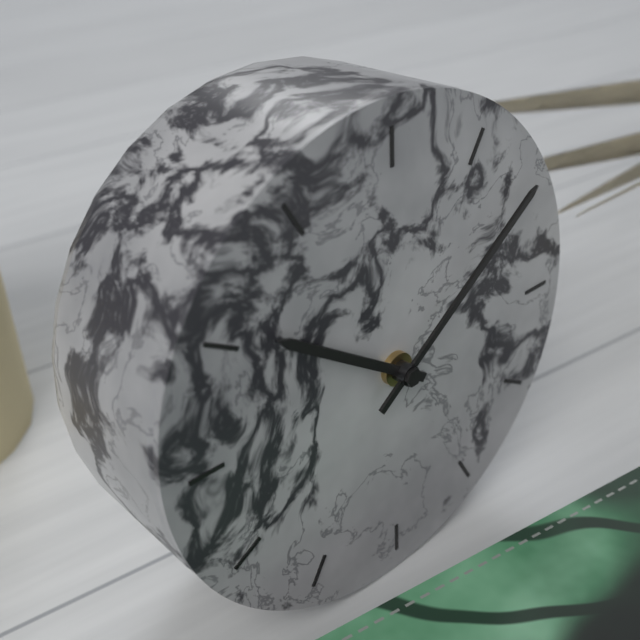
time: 10:09
